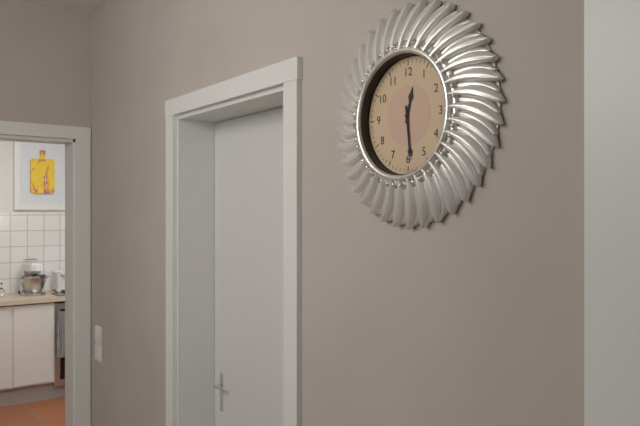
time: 12:29
